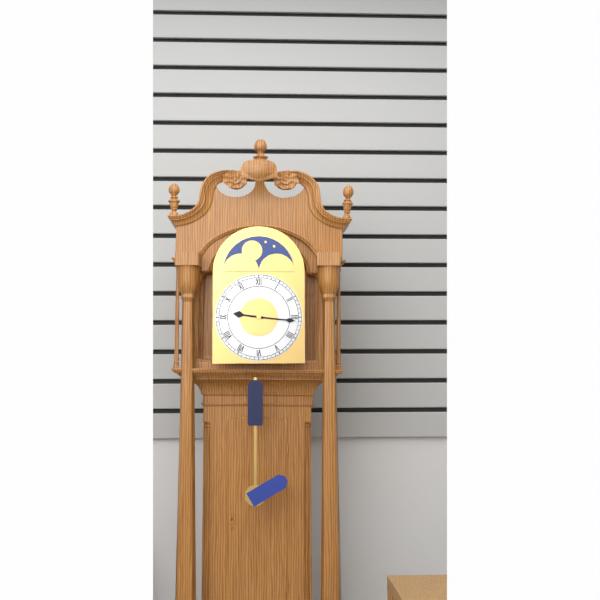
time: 9:16
